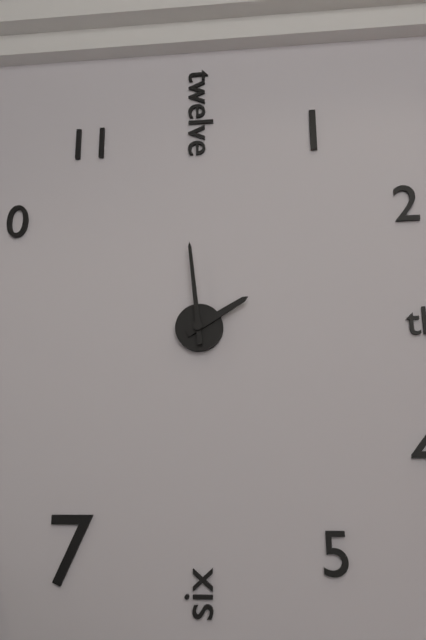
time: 1:59
